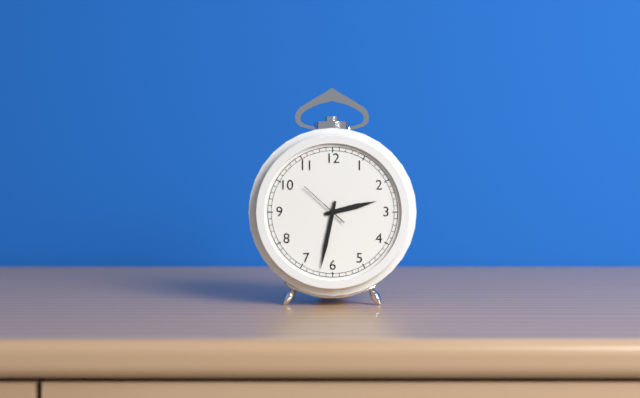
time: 2:32
